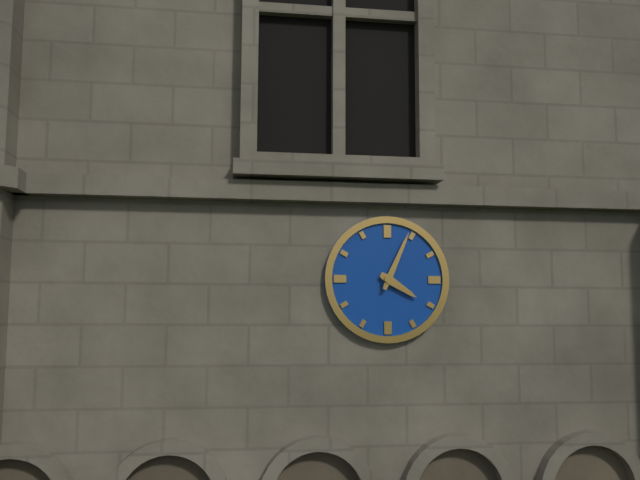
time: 4:04
